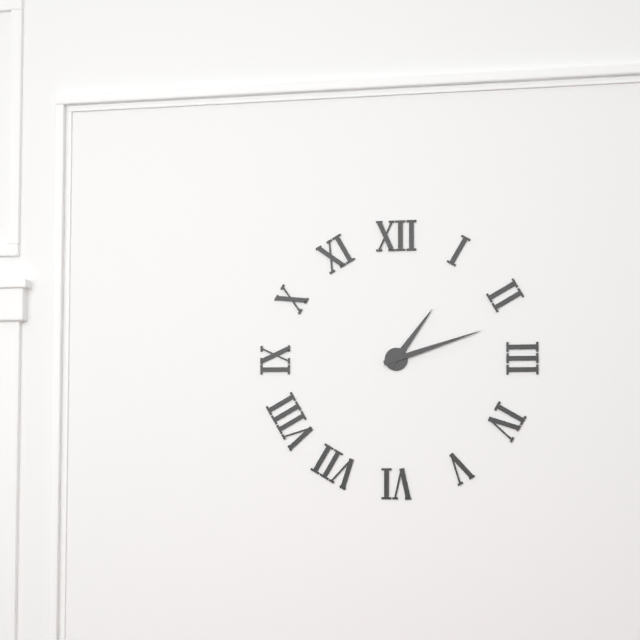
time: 1:12
